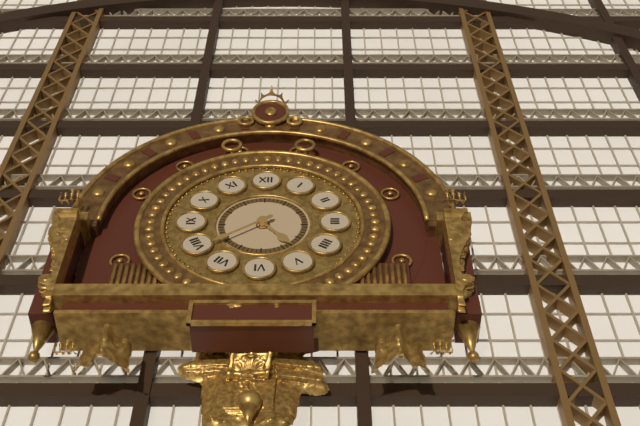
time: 4:39
